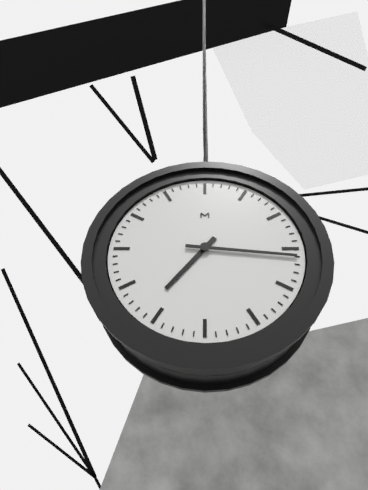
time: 7:16
